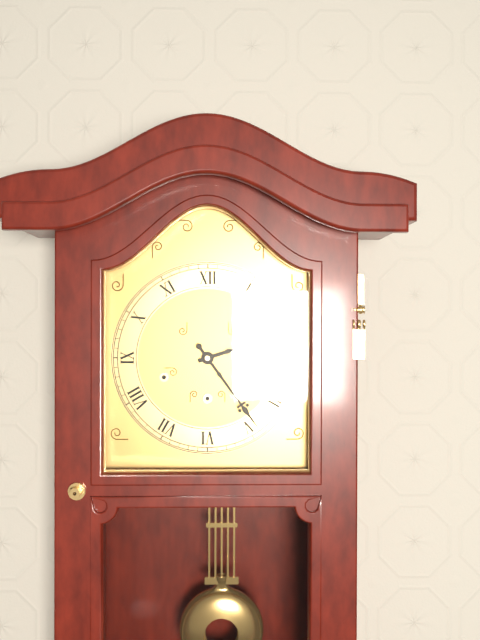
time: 2:24
